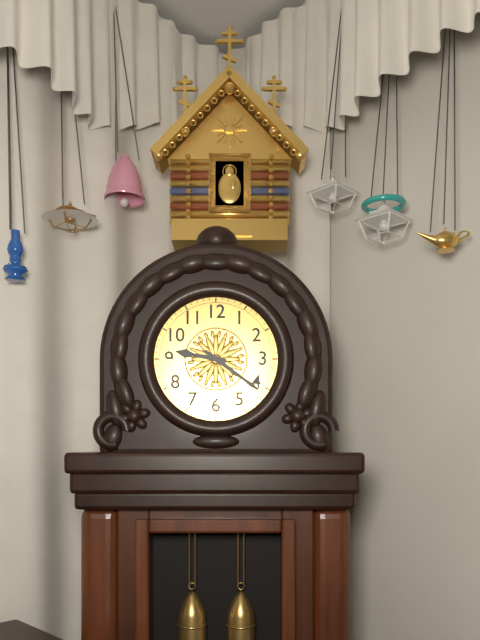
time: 9:21
